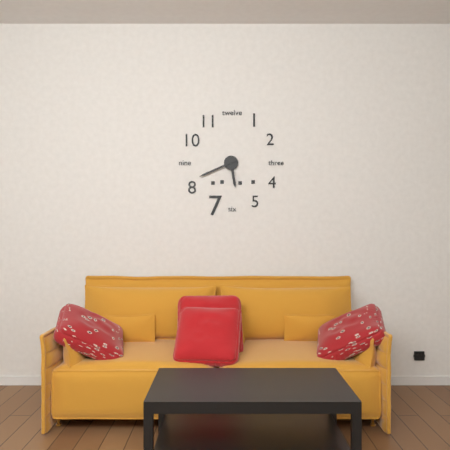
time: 5:41
